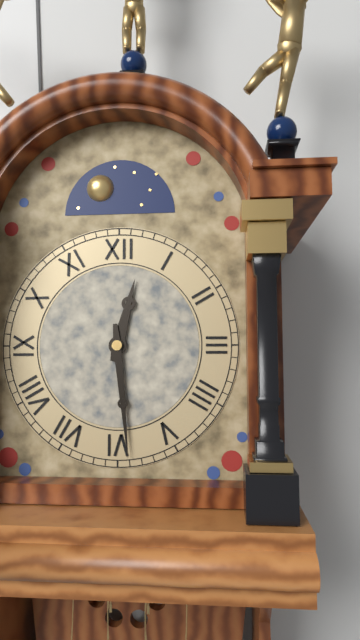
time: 12:29
